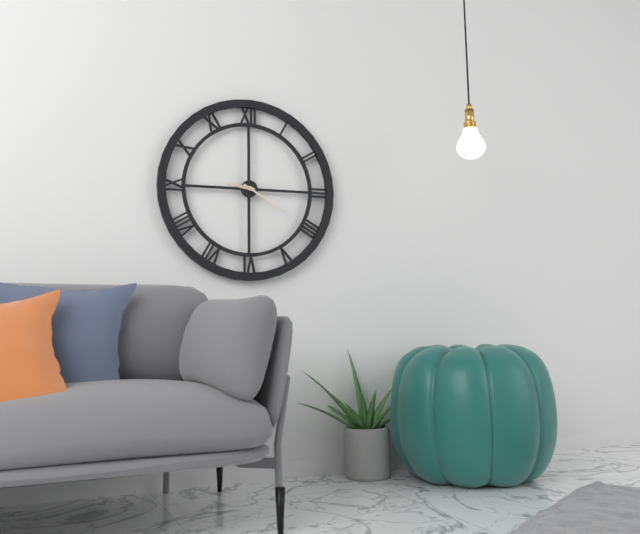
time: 9:20
